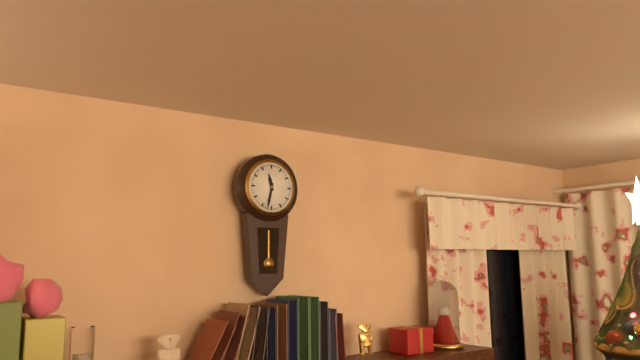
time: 11:32
